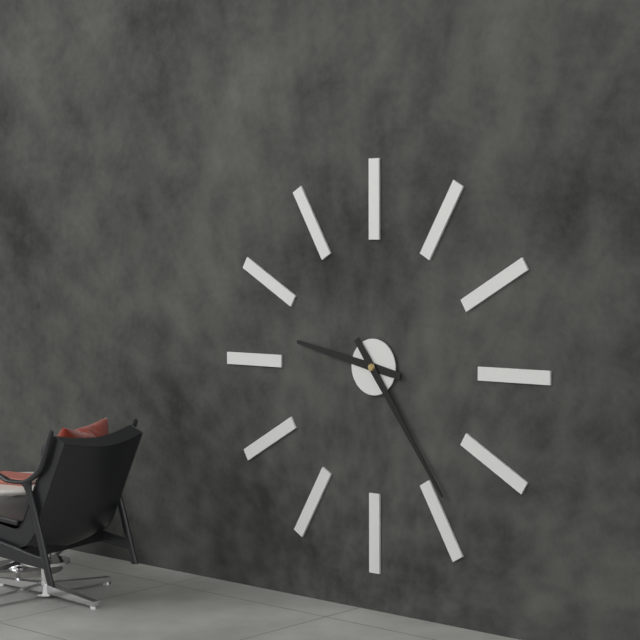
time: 9:24
